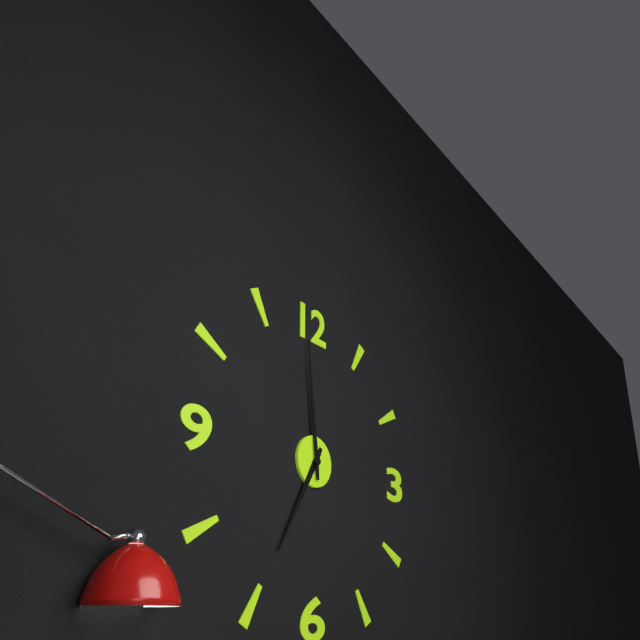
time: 6:59
